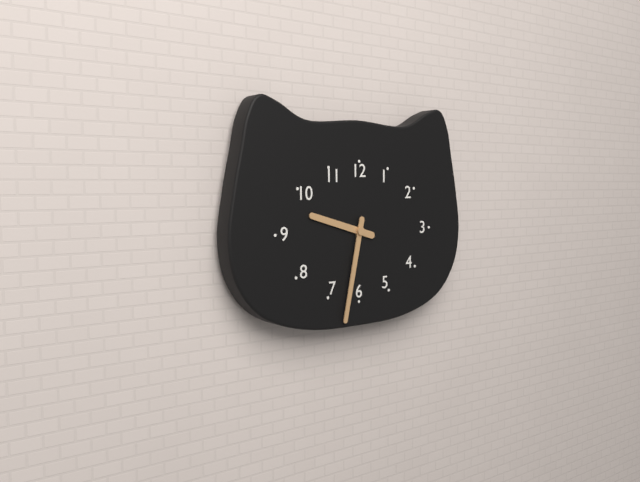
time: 9:32
